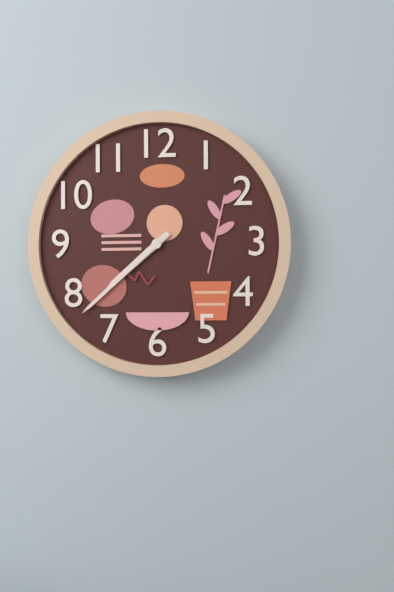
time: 7:38
